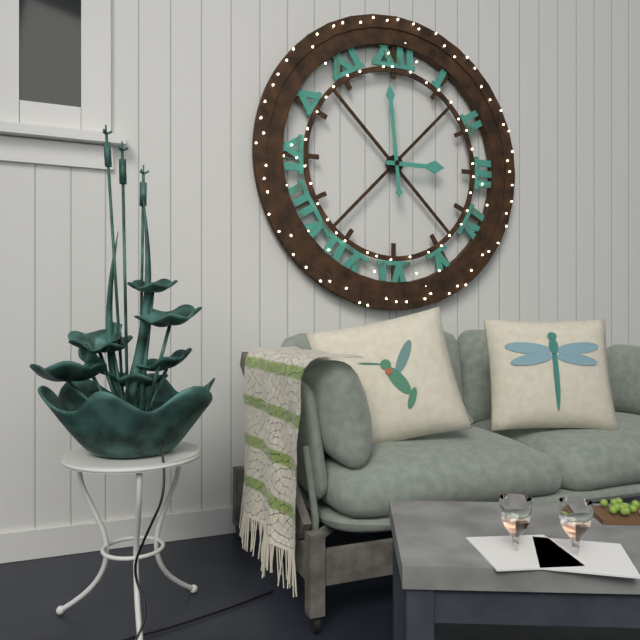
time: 2:59
